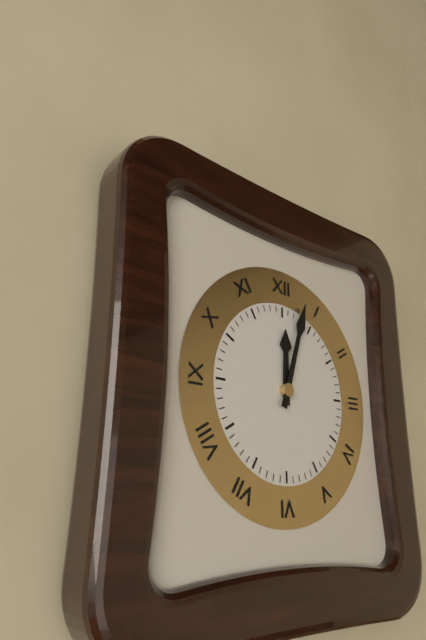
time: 12:03
